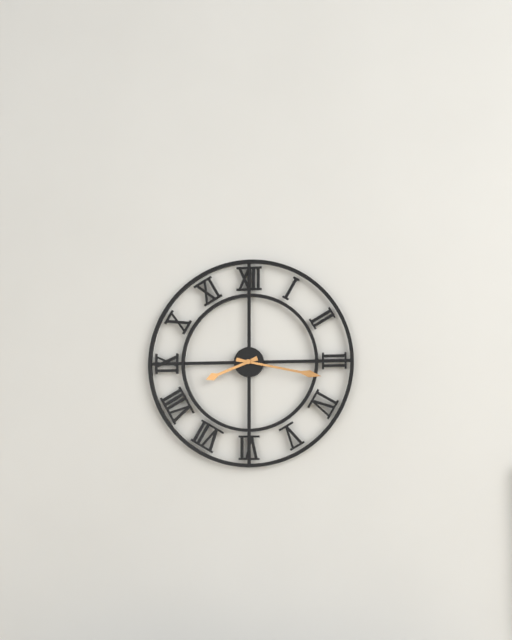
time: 8:17
